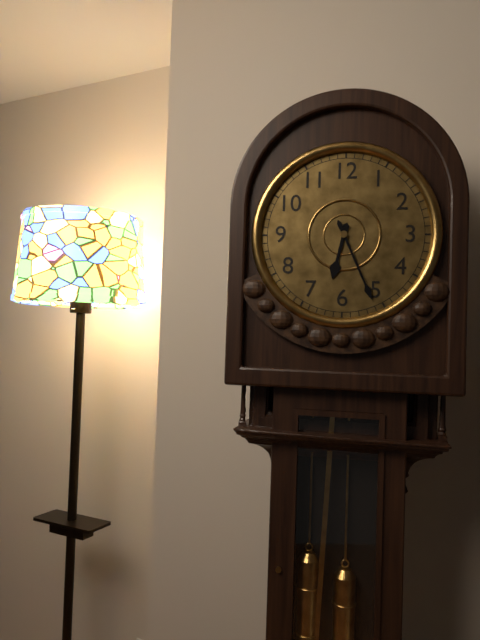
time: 6:26
